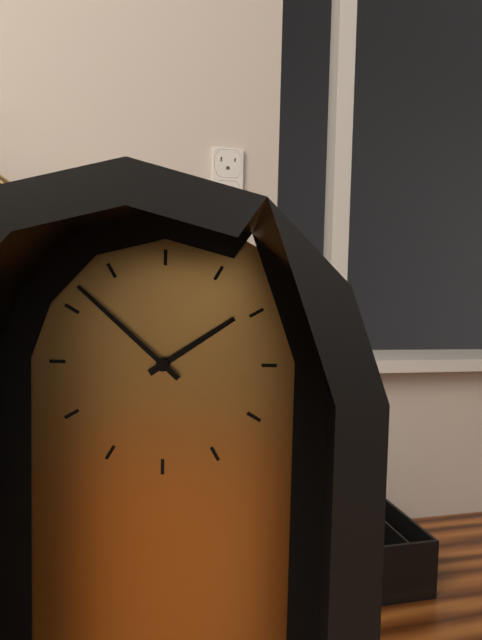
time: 1:52
